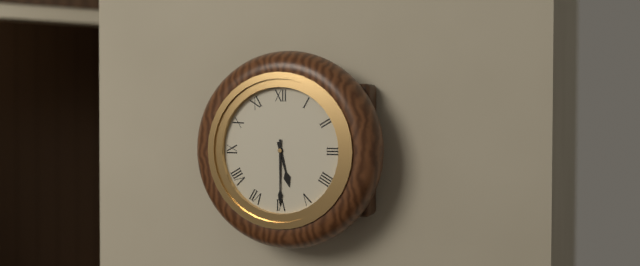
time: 5:30
